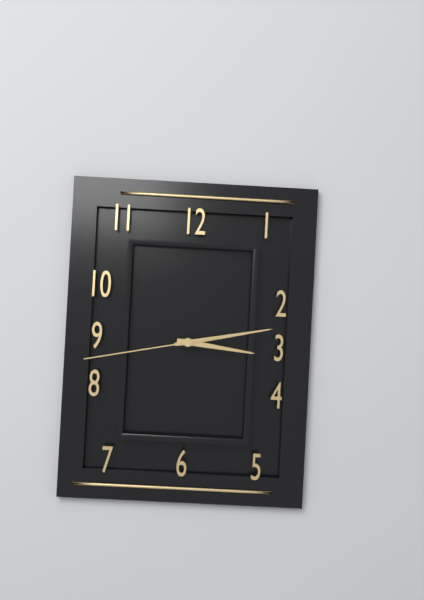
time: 3:13:43
